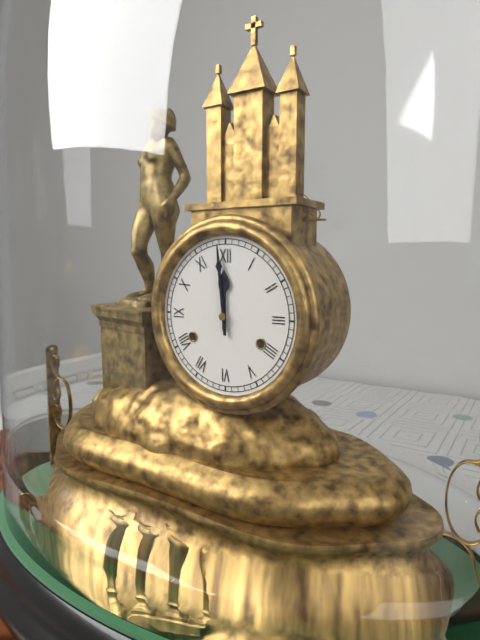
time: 11:59
